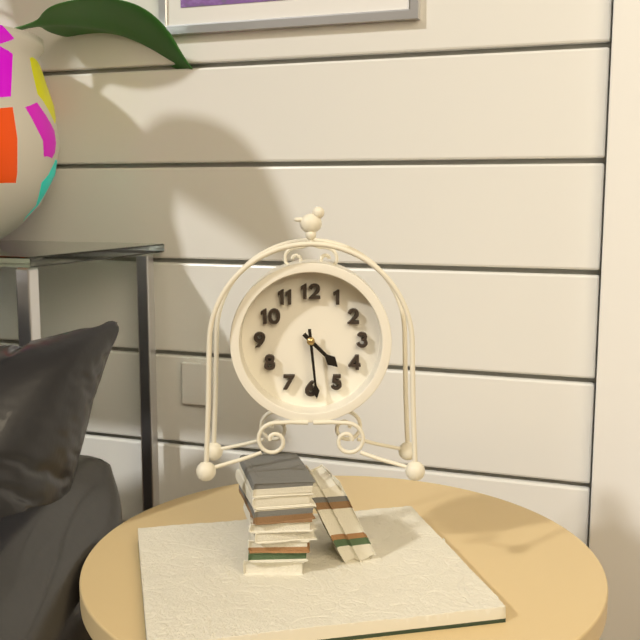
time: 4:29
